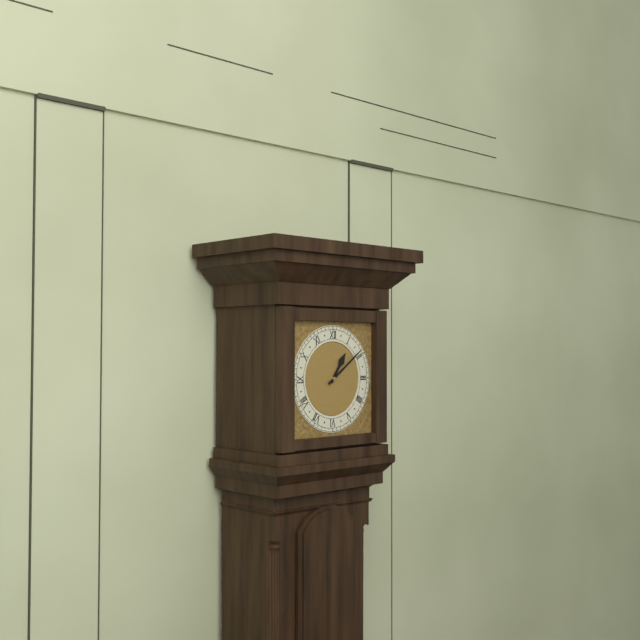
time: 1:09
